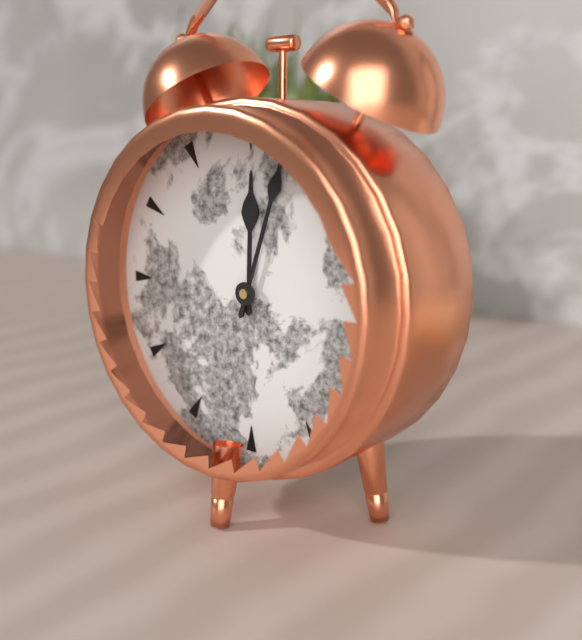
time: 12:03
